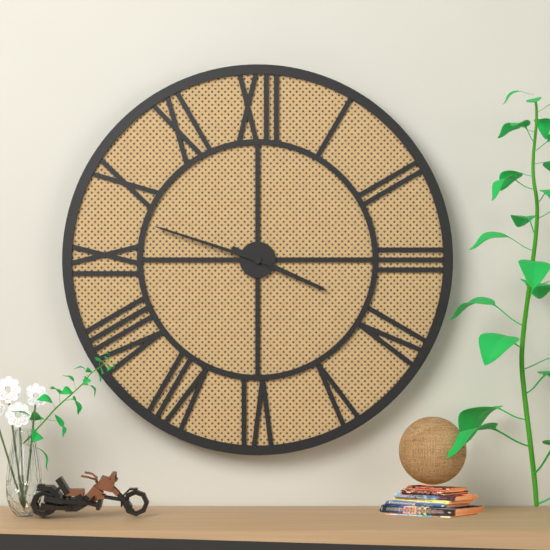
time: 3:48
